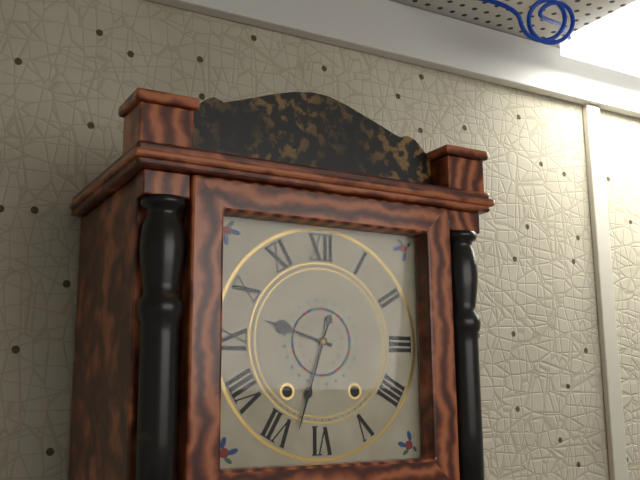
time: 9:33
